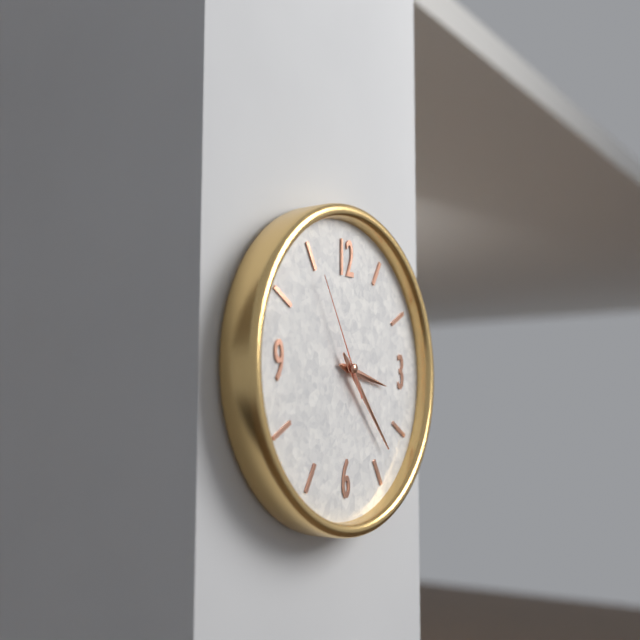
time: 3:23:55
